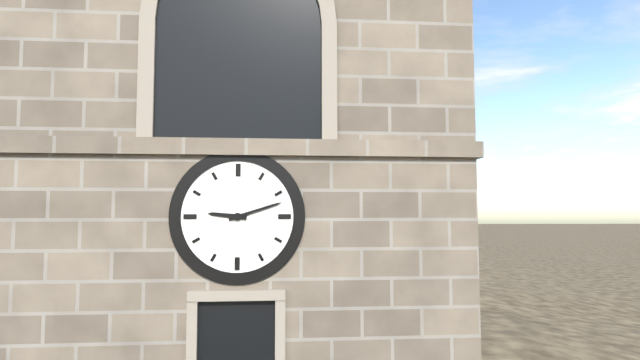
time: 9:12
